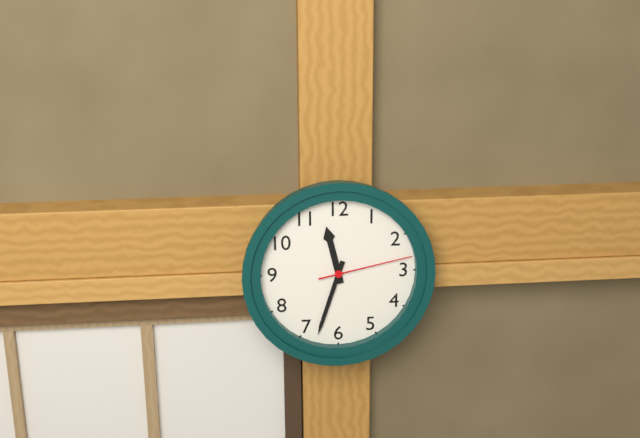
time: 11:33:13
